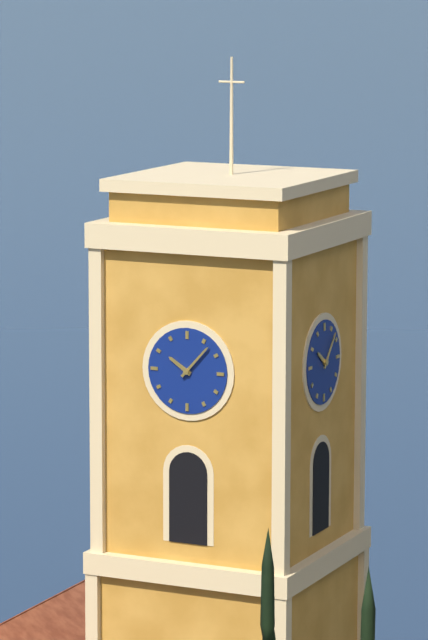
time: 10:07
